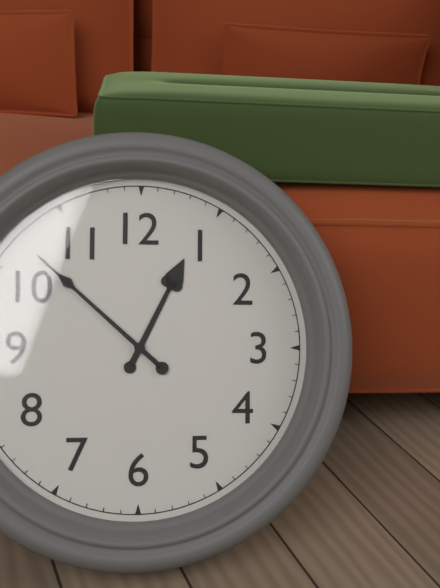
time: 12:52
